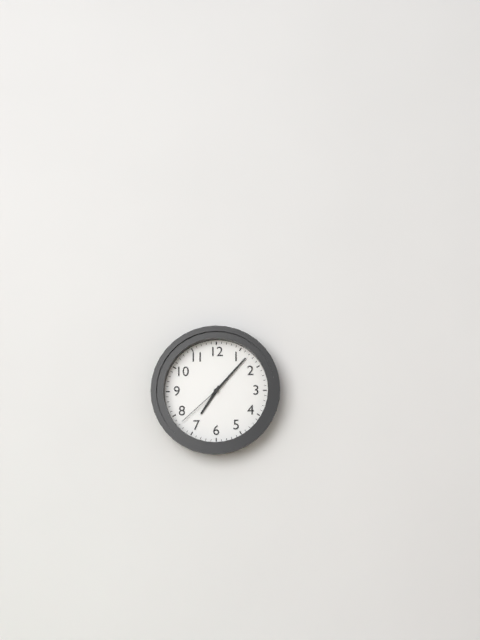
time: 7:07:38
